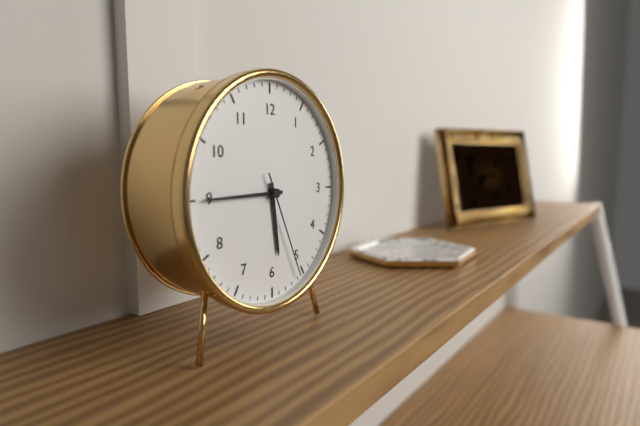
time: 5:45:26
